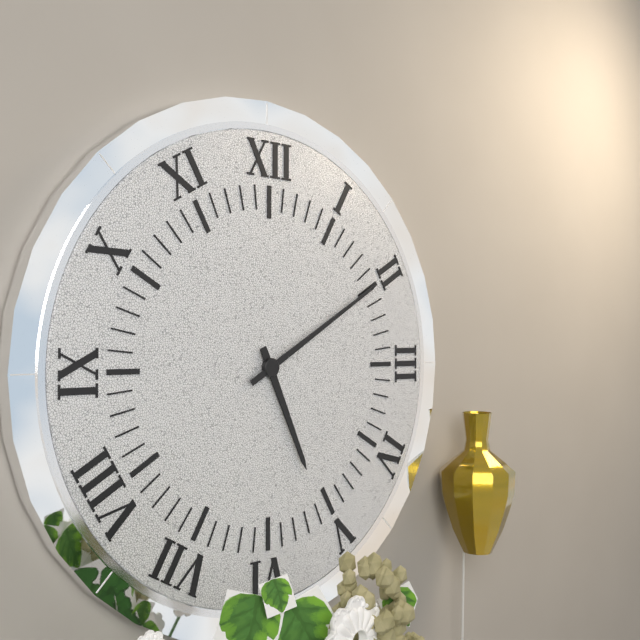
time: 5:10
